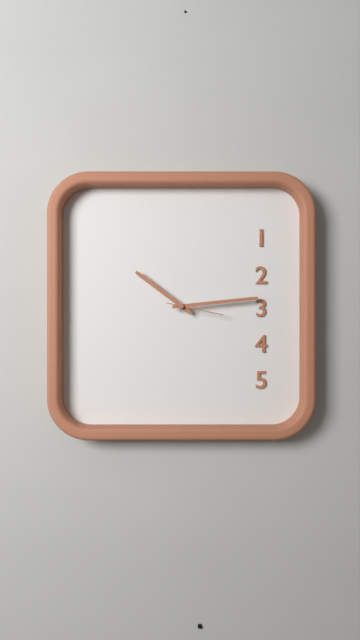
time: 10:14:17
